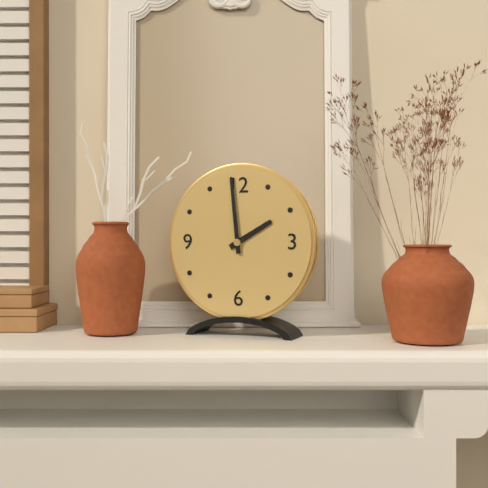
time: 1:59
